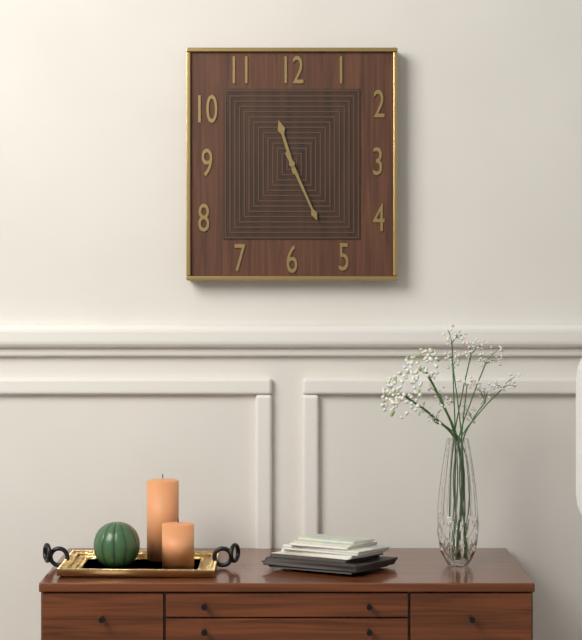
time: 11:26
